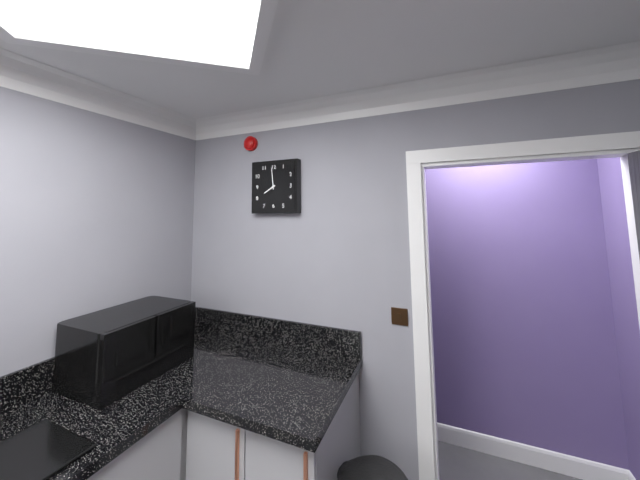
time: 7:59
